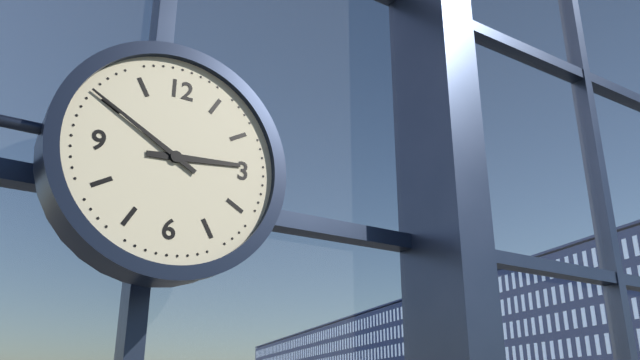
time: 2:50
